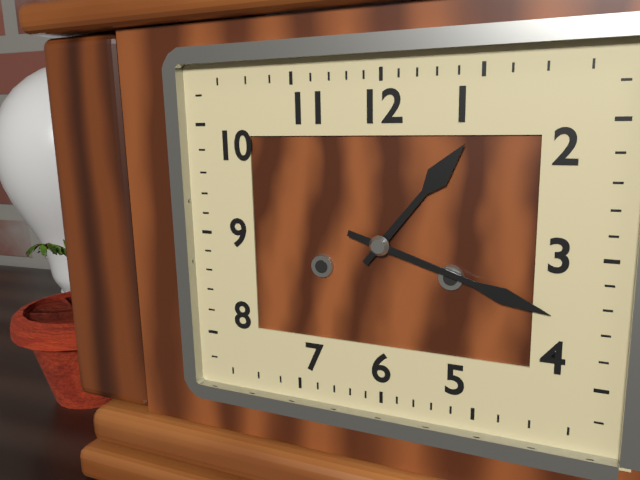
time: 1:18
